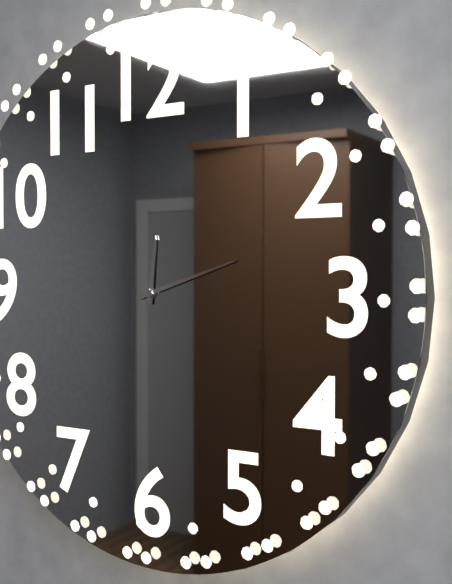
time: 12:12
